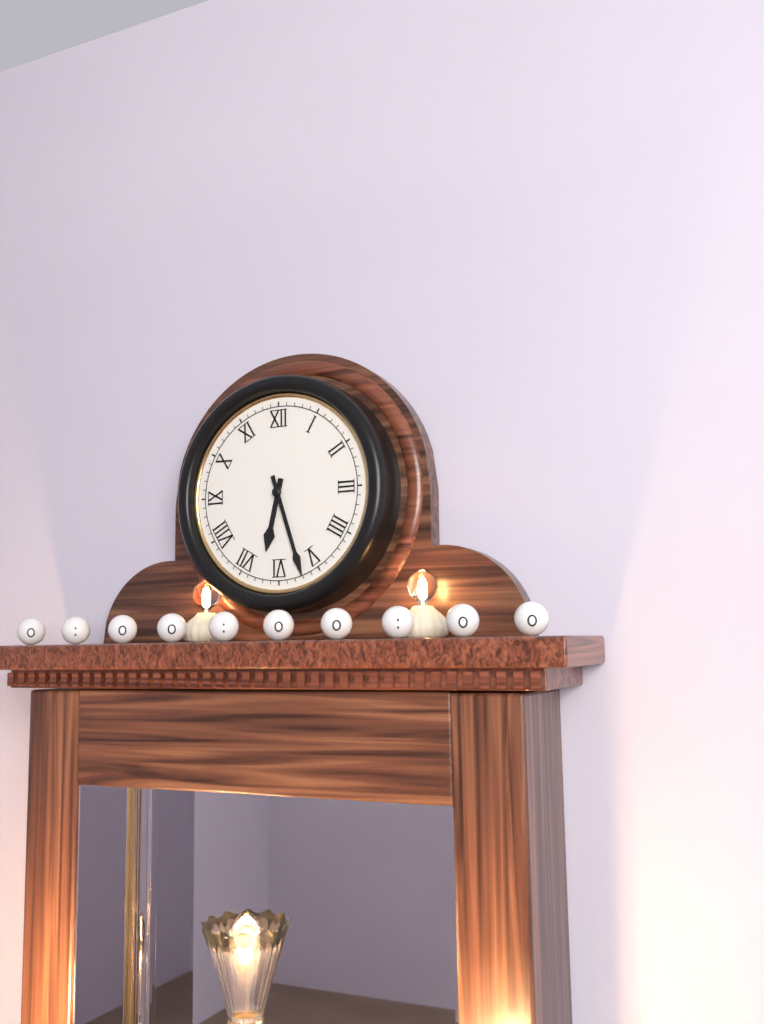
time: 6:27
